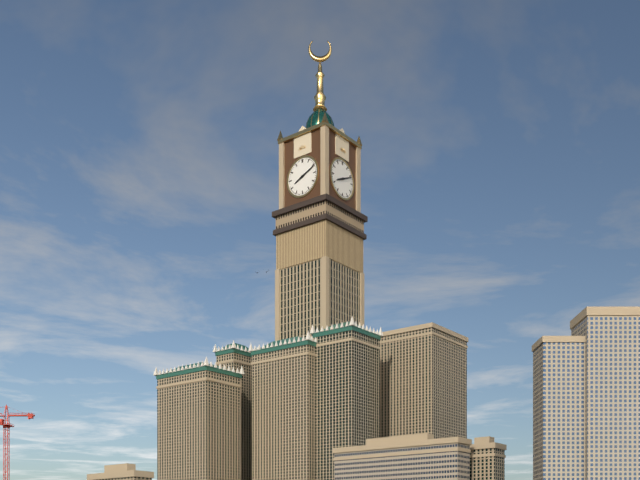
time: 8:11
